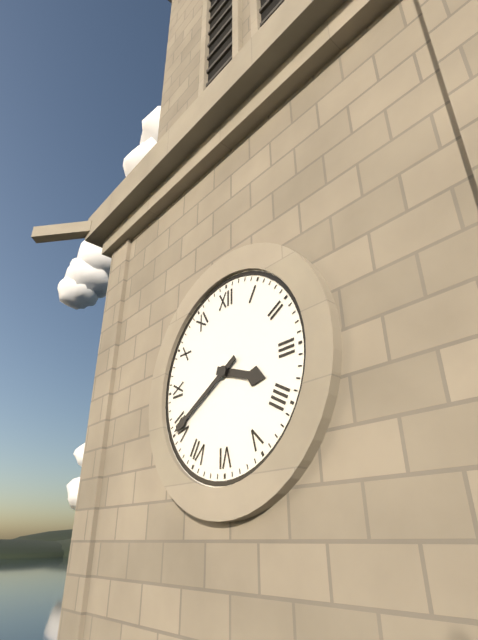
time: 3:40
